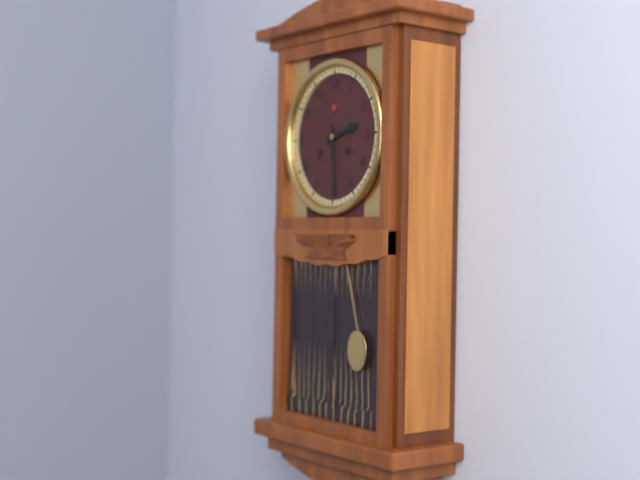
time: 2:29
